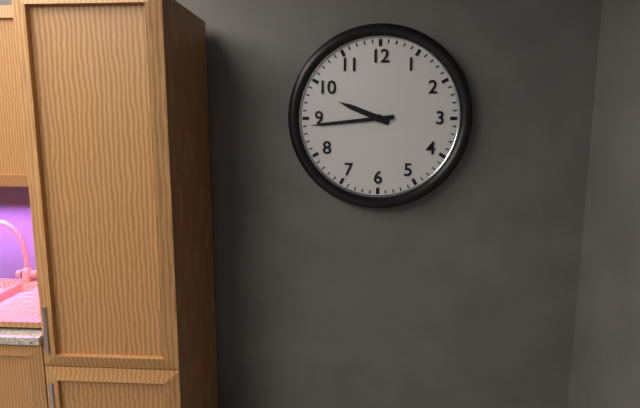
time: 9:44
